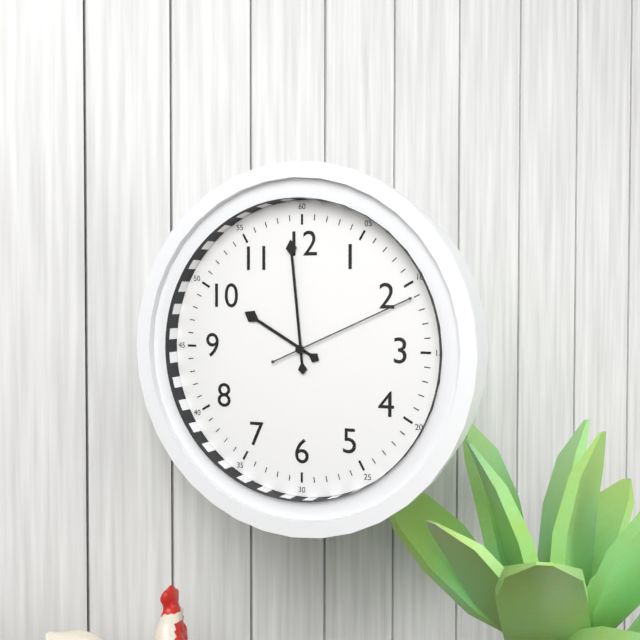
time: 9:59:11
